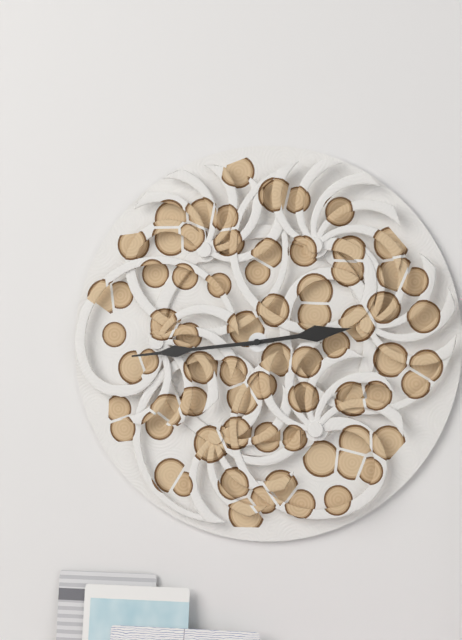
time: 2:44
